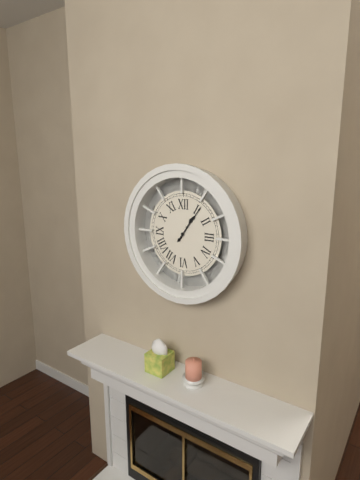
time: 1:06
